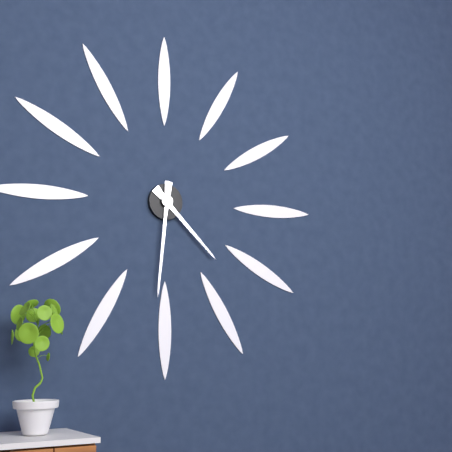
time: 4:31
